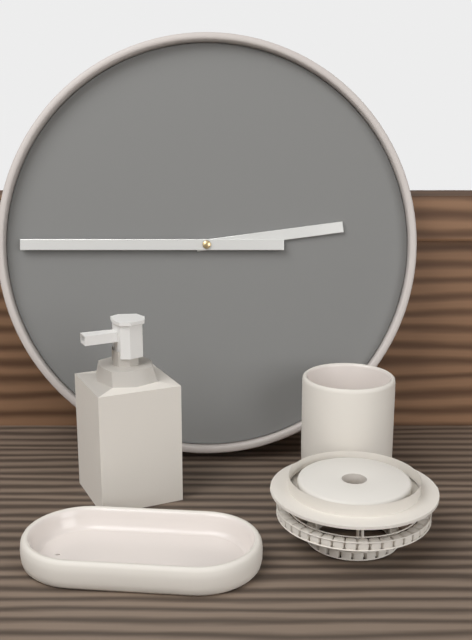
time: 2:45
